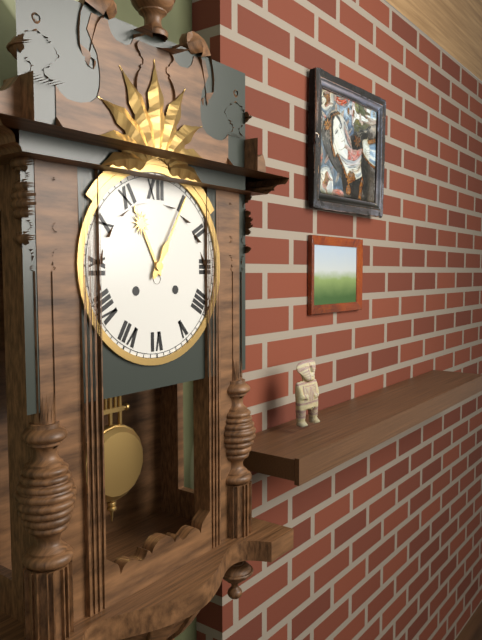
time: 11:05
